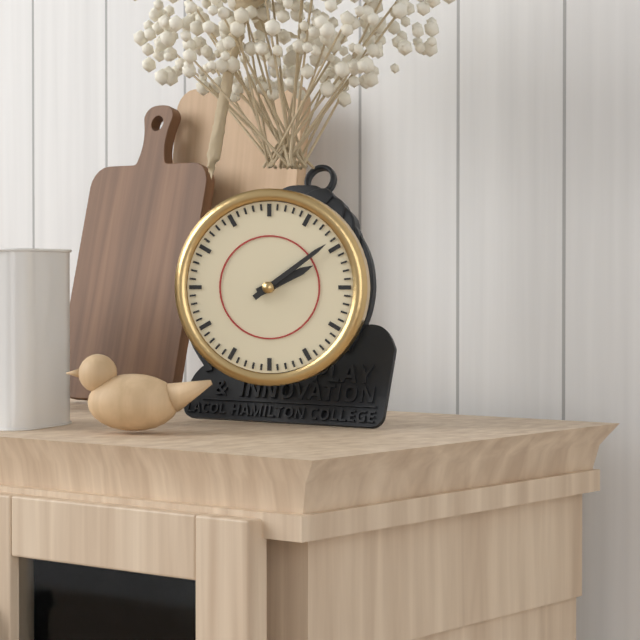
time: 2:09
